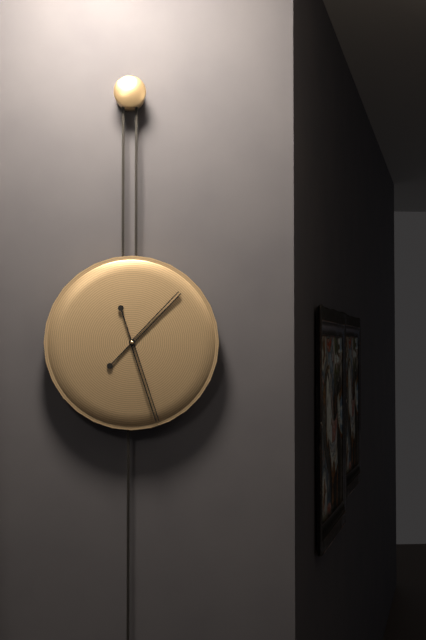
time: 1:27
